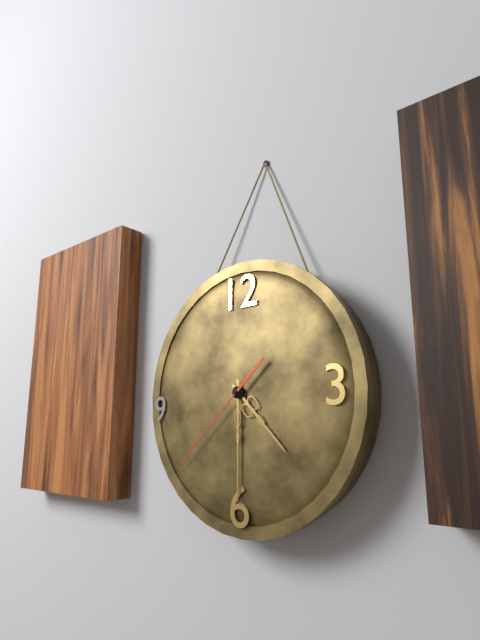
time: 4:30:38
